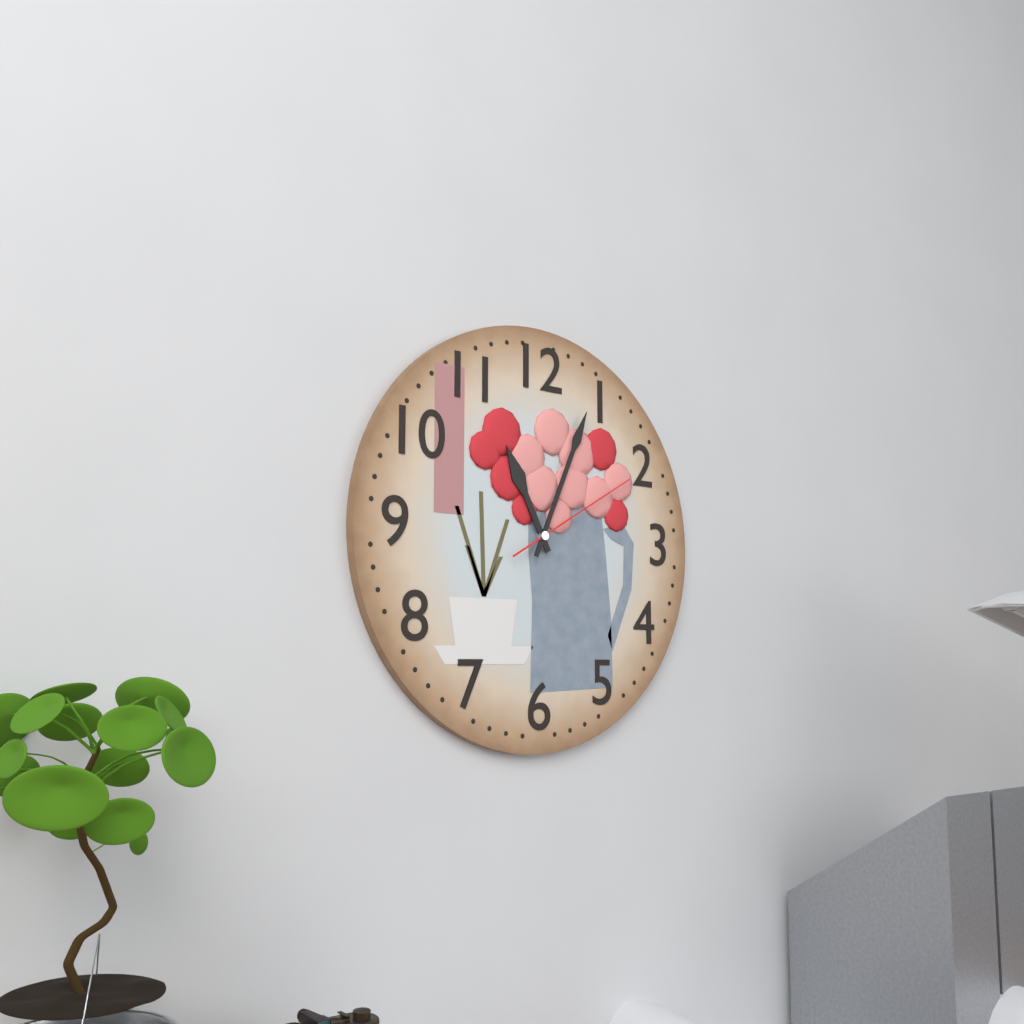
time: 11:04:10
